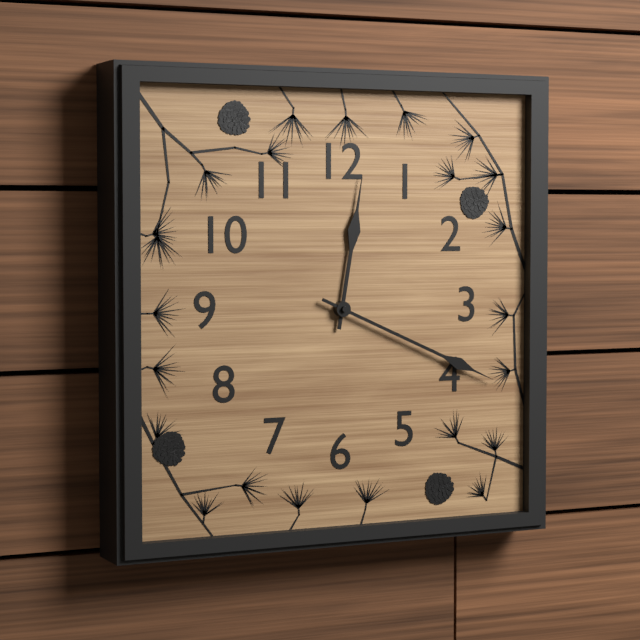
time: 12:19
